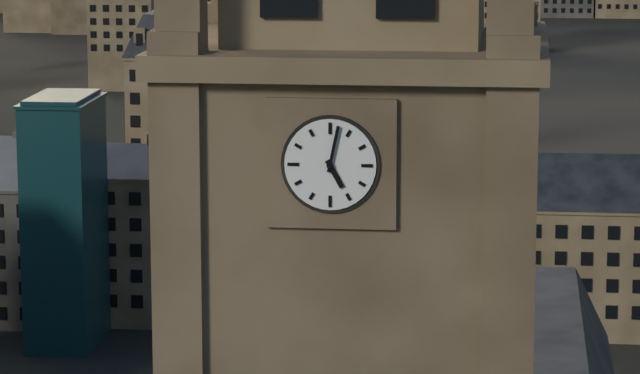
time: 5:02
